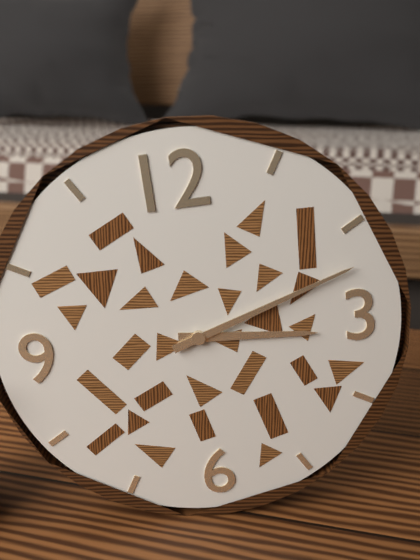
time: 3:12
